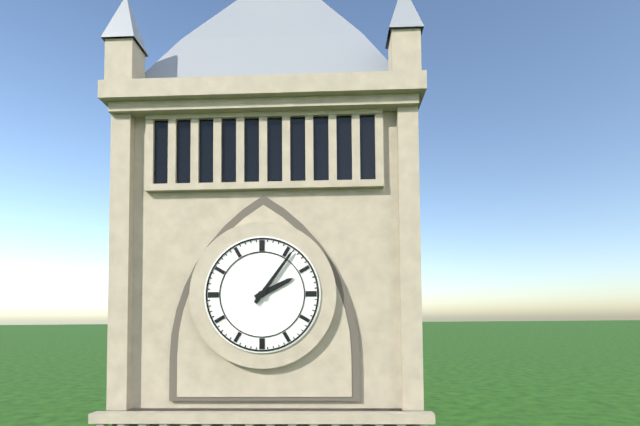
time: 2:06
